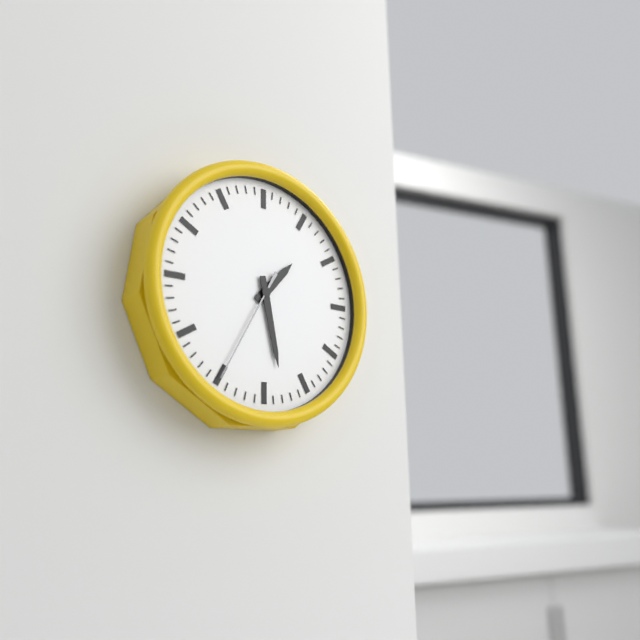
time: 1:28:35
